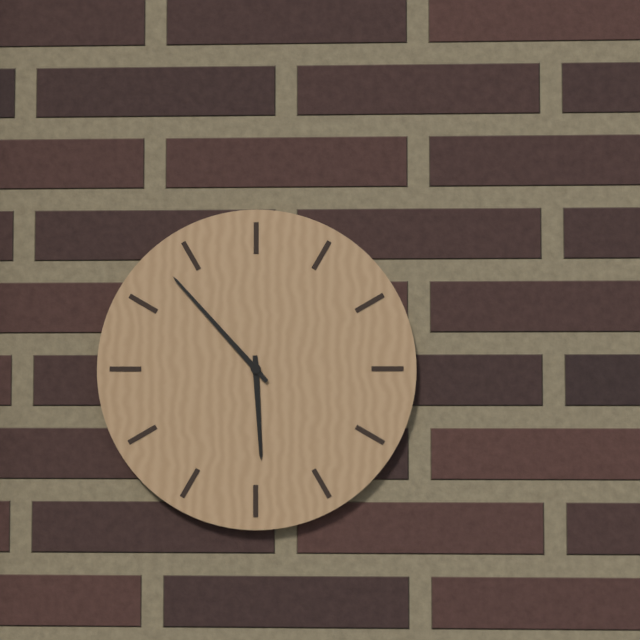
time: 5:53
